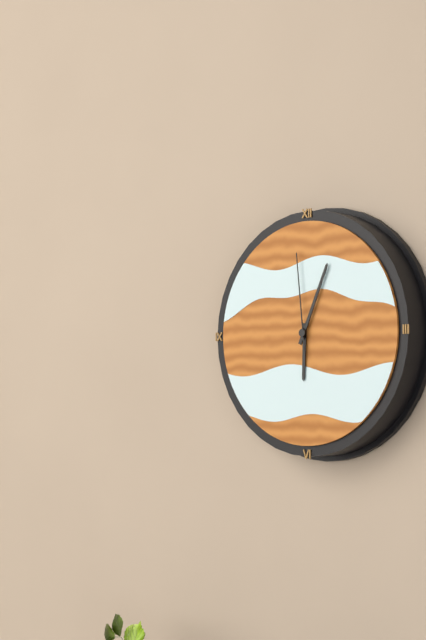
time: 6:04:59
